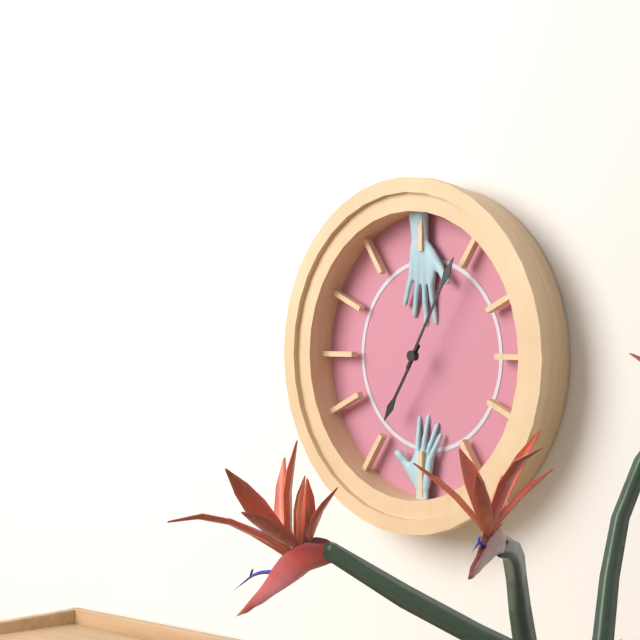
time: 7:05
